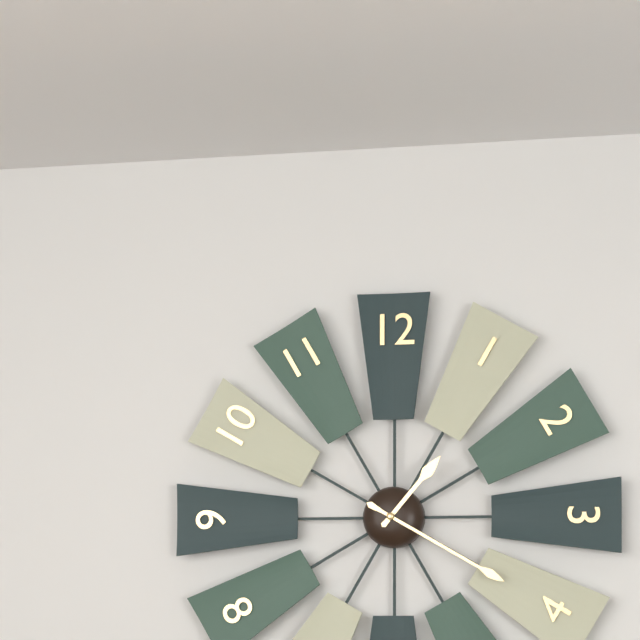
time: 1:20
